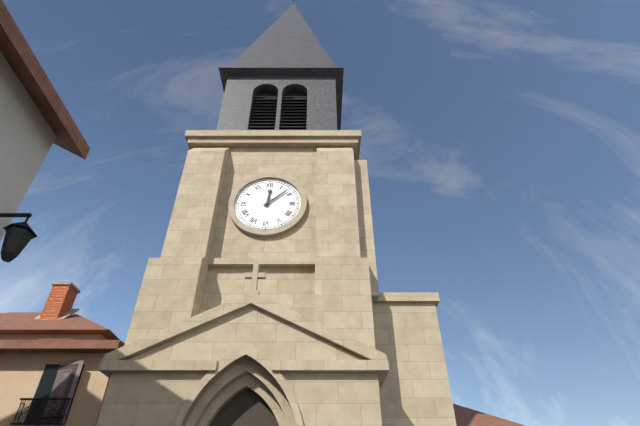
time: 12:08
